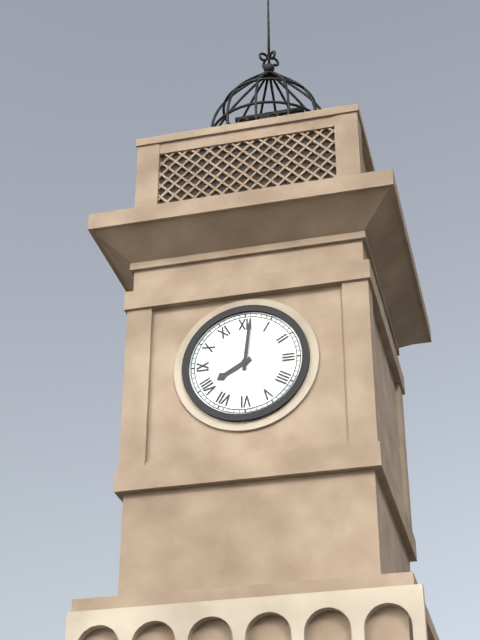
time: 8:01
